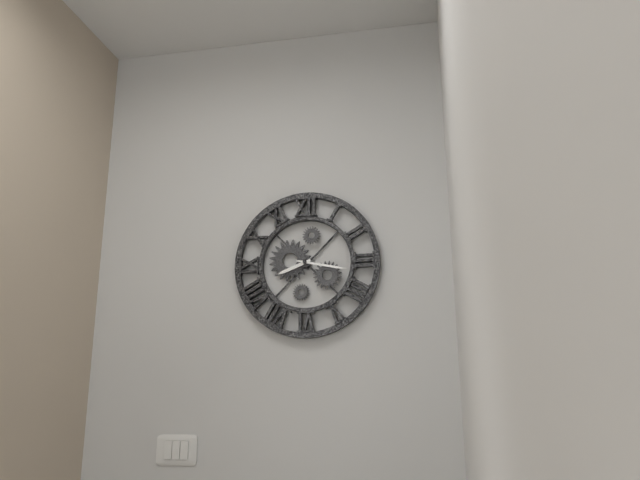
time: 8:17
